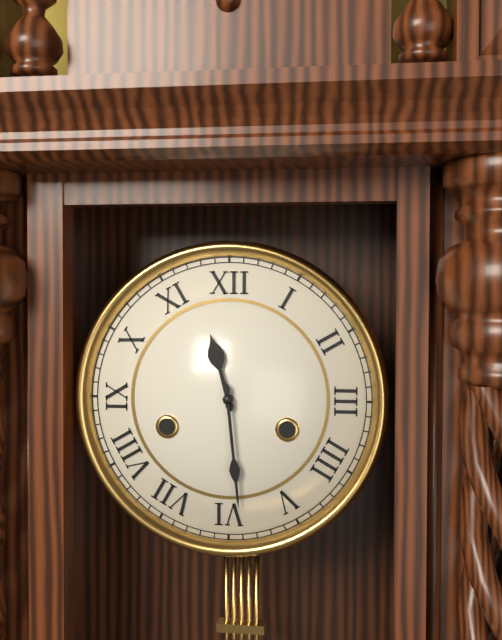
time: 11:29
